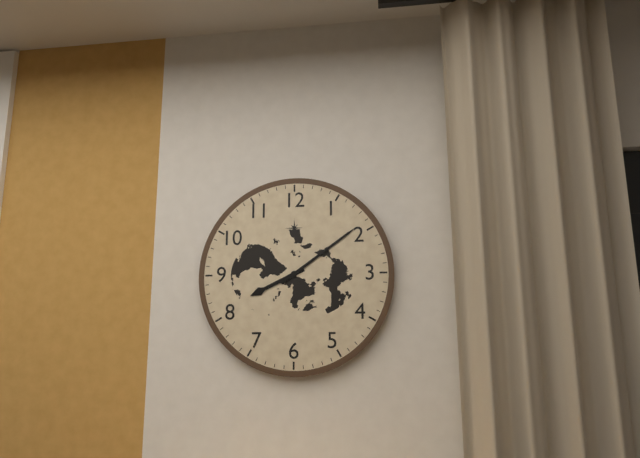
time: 8:09
